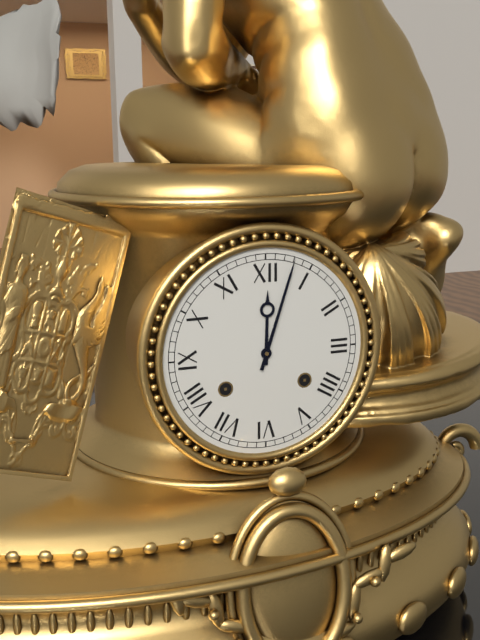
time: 12:03
